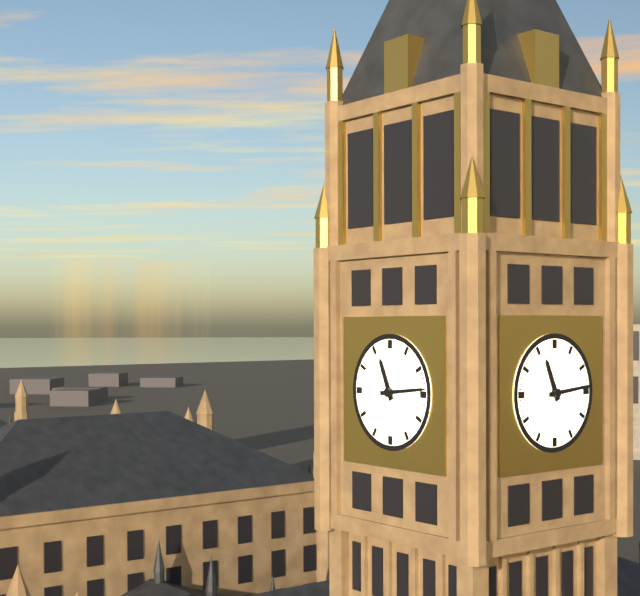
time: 11:14
